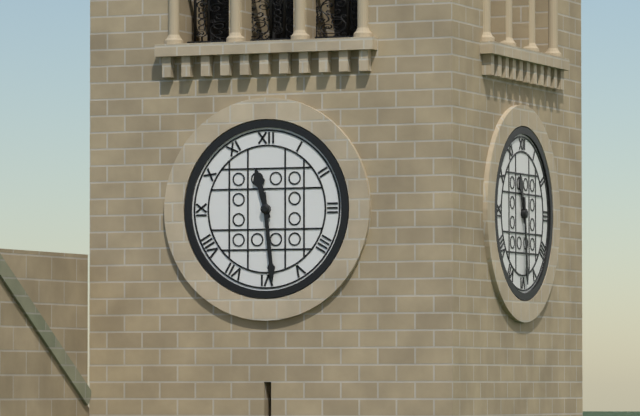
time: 11:29
